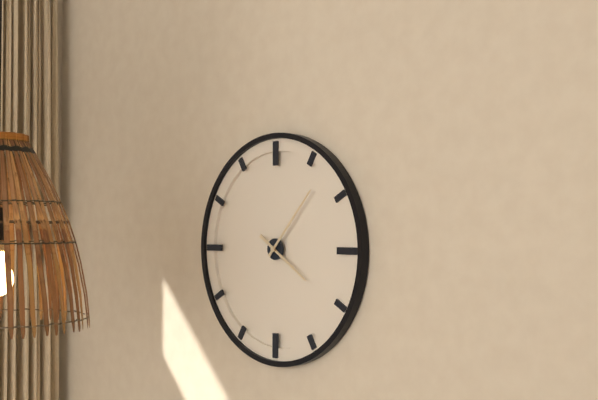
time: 4:07
